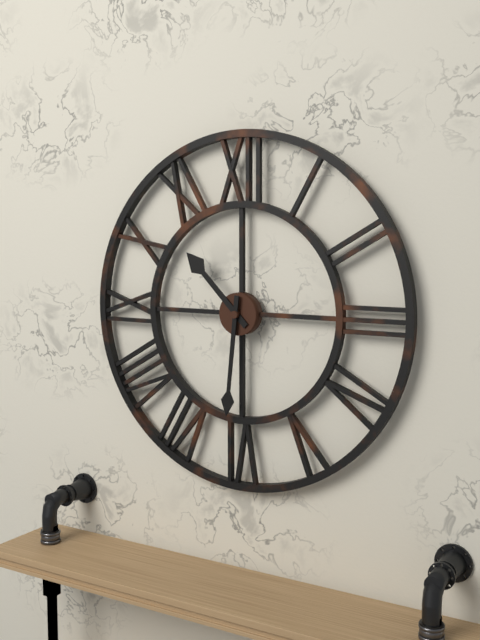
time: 10:31
